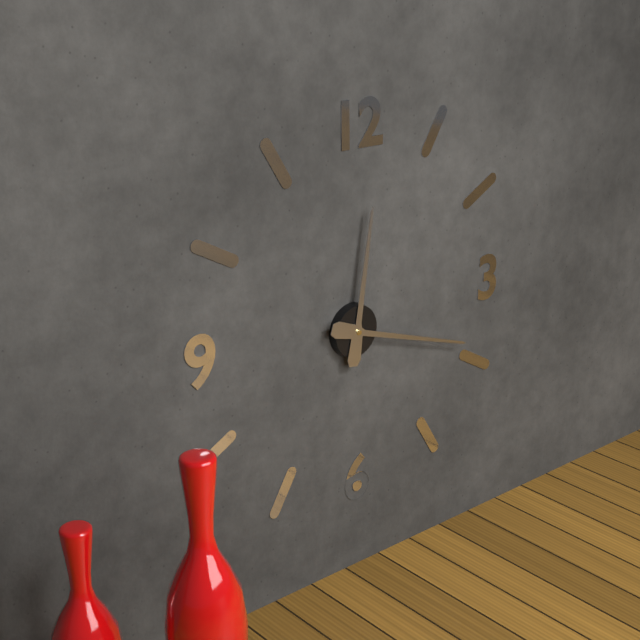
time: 12:18
